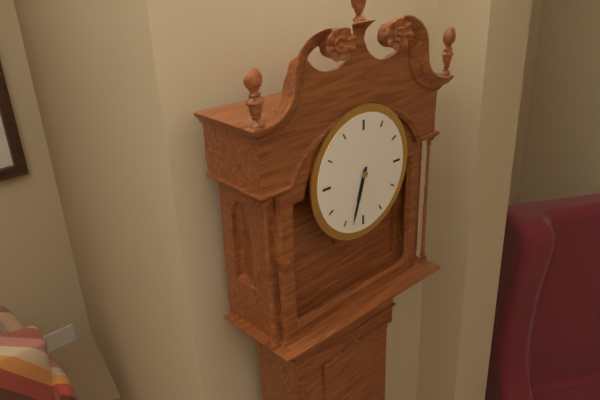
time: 6:33
